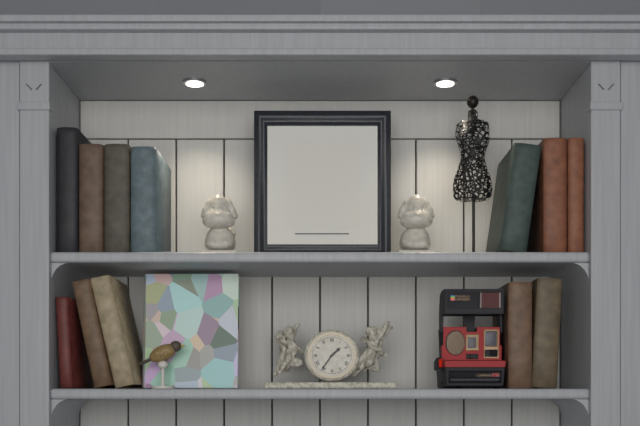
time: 1:36
